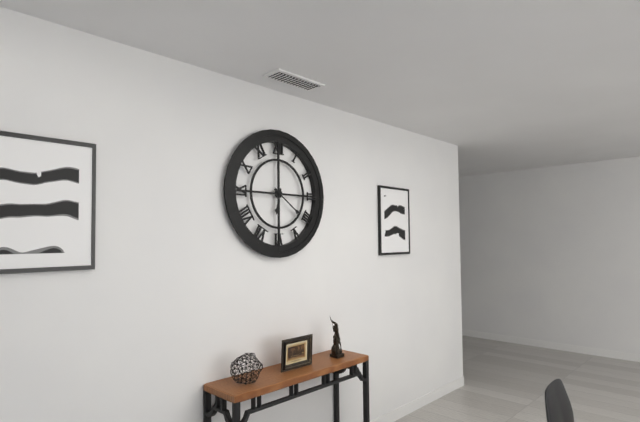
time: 6:21
